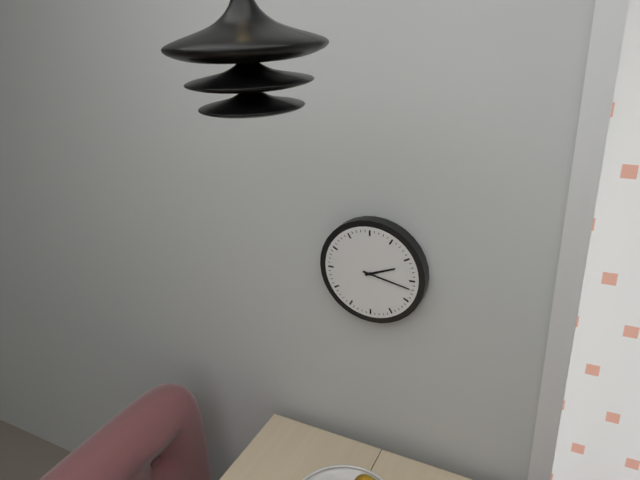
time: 2:17
